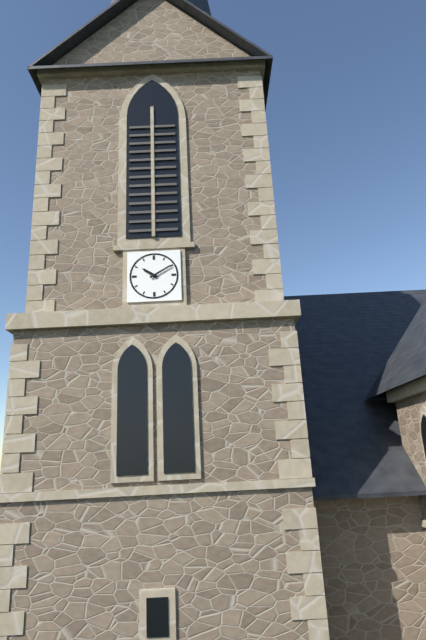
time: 10:10
